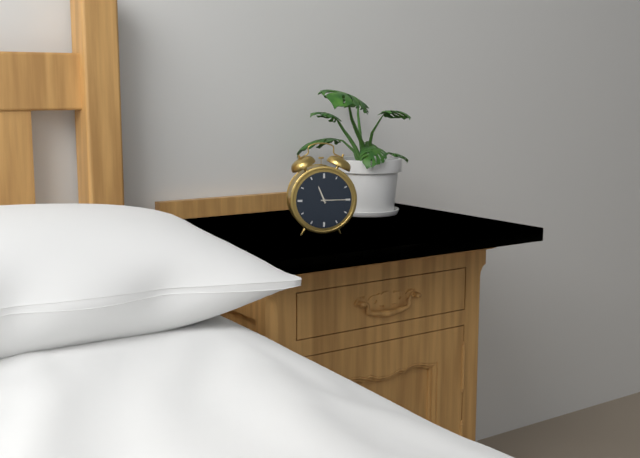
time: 11:15
